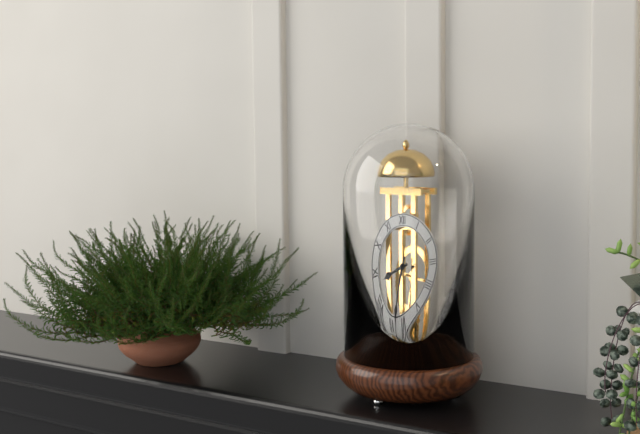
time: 8:33
